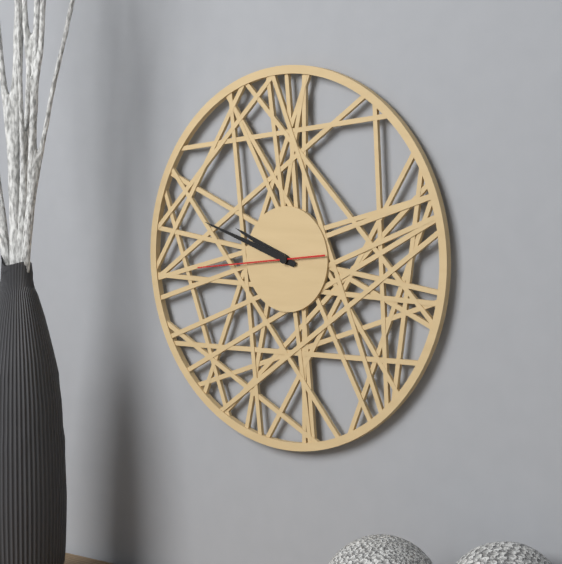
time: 9:48:44
